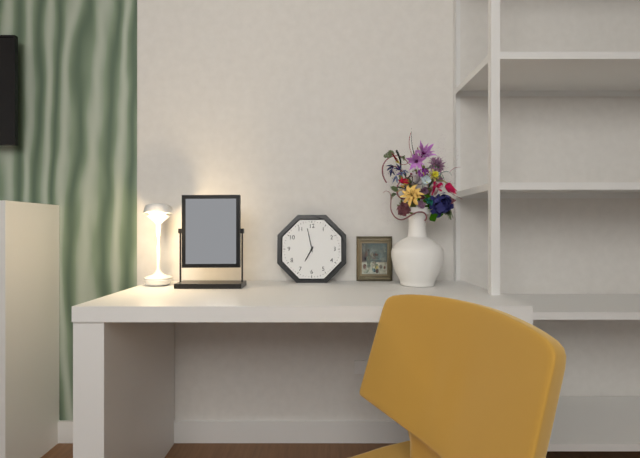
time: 6:58
